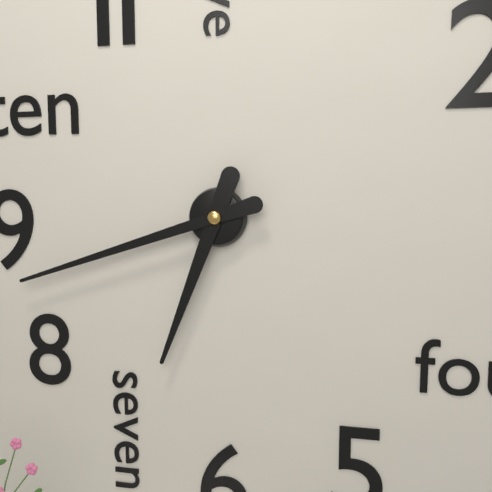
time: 6:42
